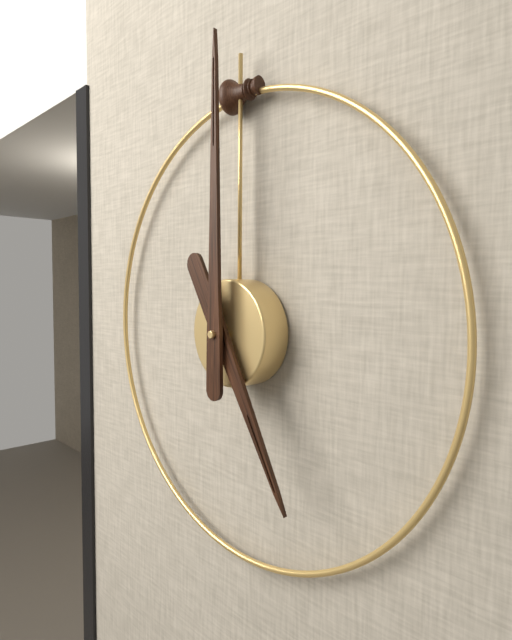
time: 5:00
